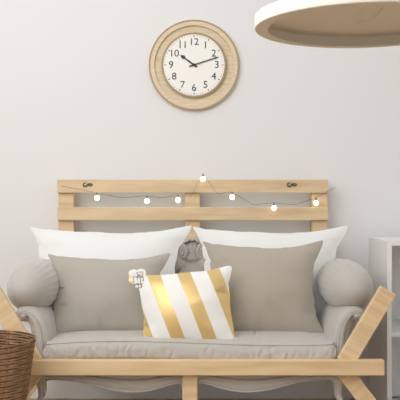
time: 10:12
